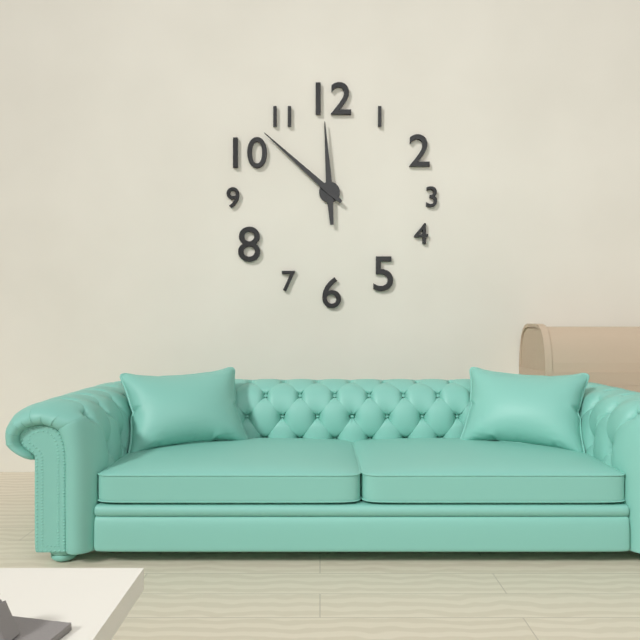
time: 11:52
